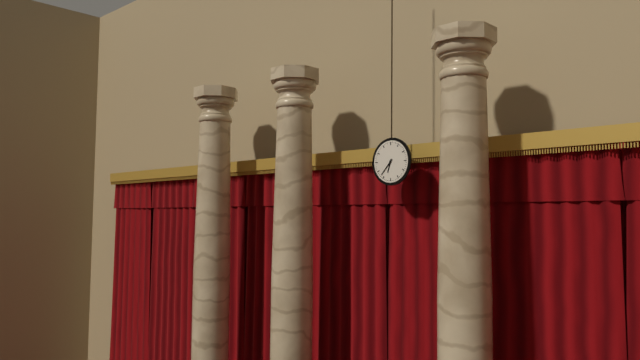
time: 6:37
